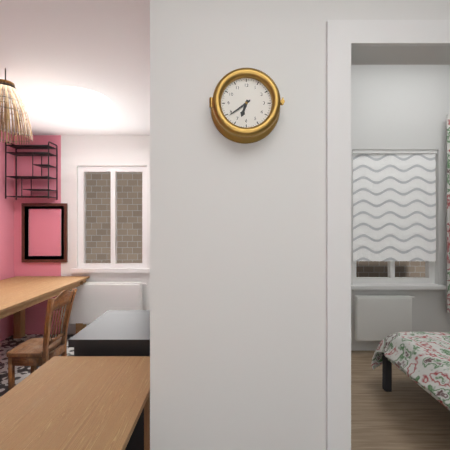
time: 6:39
